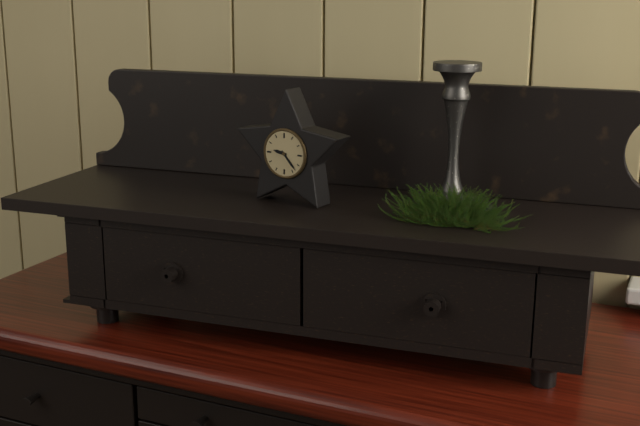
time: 9:23
